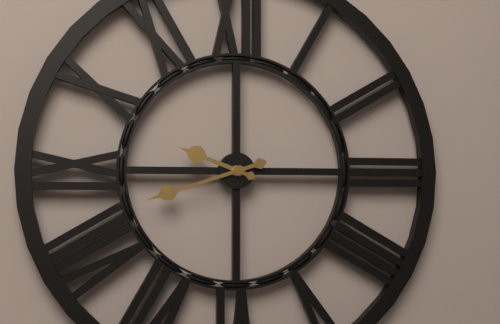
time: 9:42
